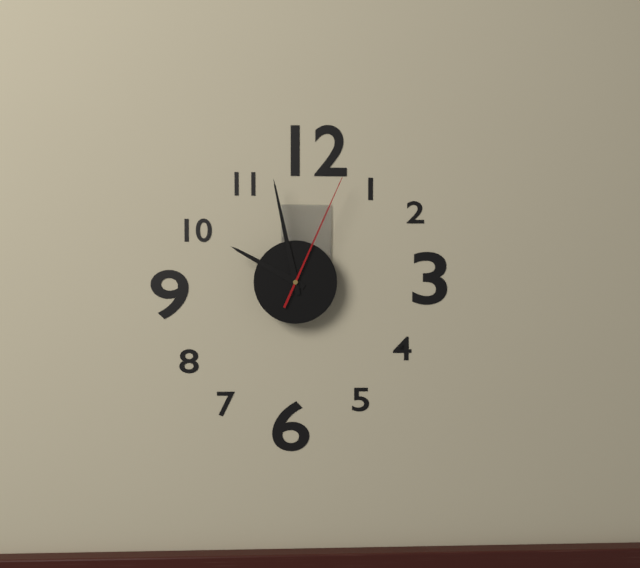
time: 9:58:04
